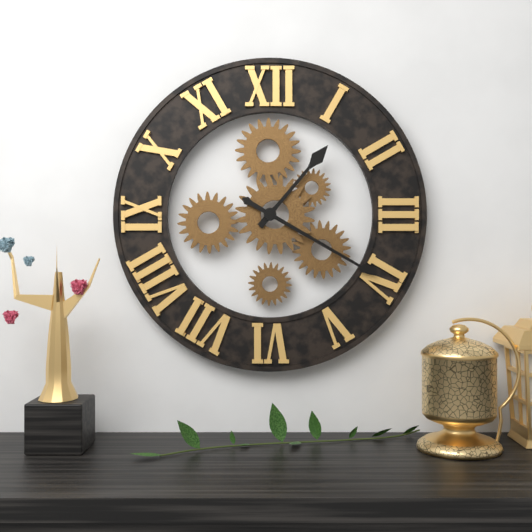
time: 1:20
